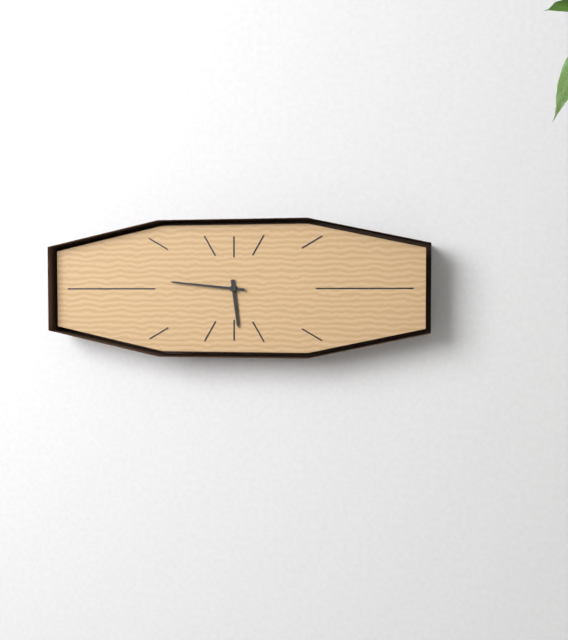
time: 5:46
